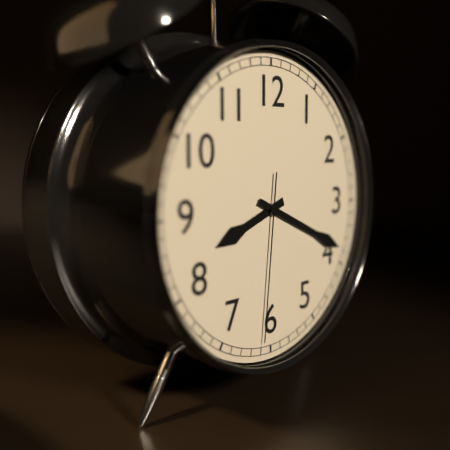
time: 8:19:31
